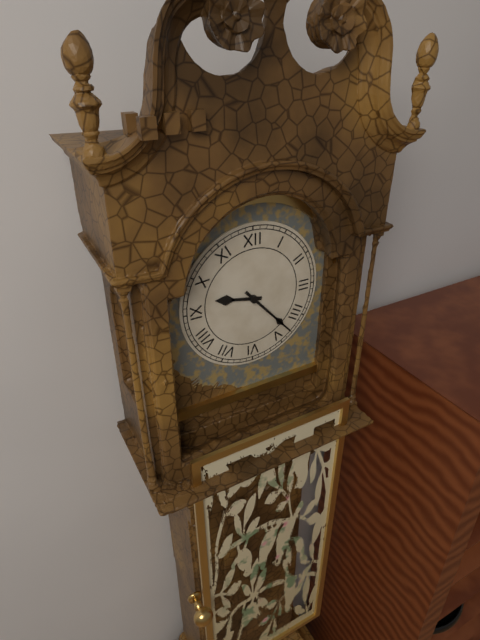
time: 9:23
